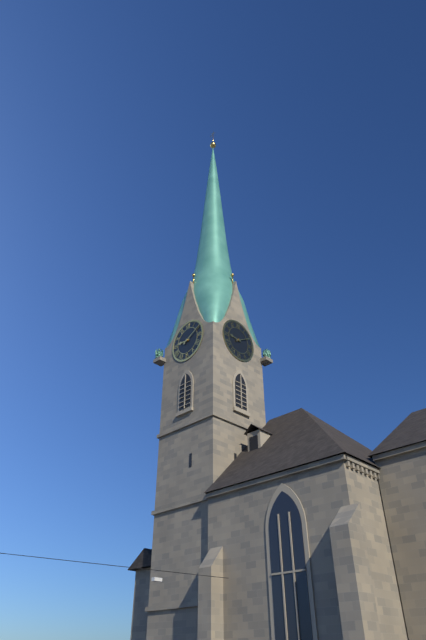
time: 9:10
